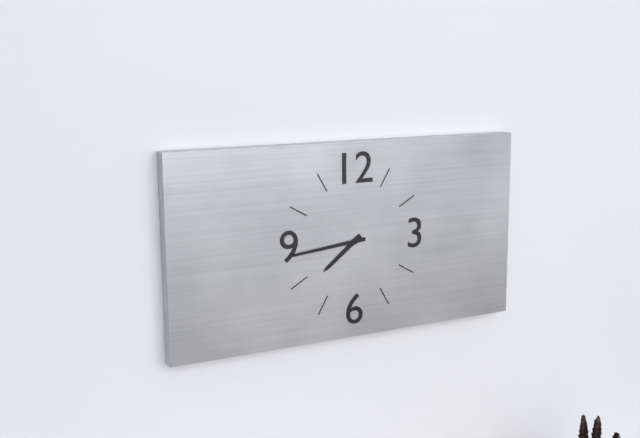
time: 7:44
